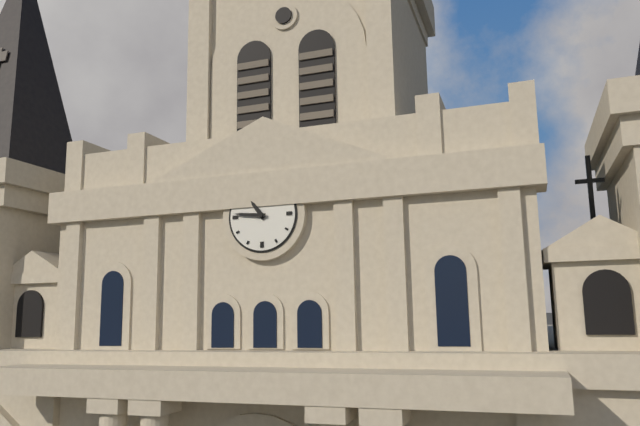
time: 10:46
